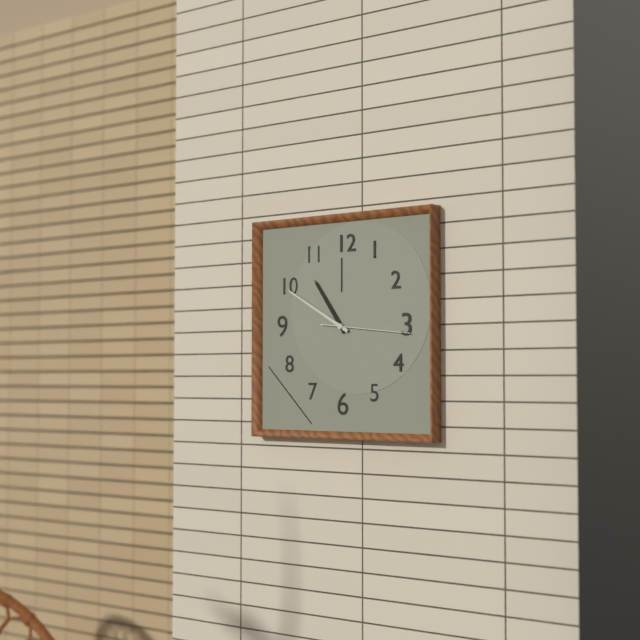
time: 10:50:16
